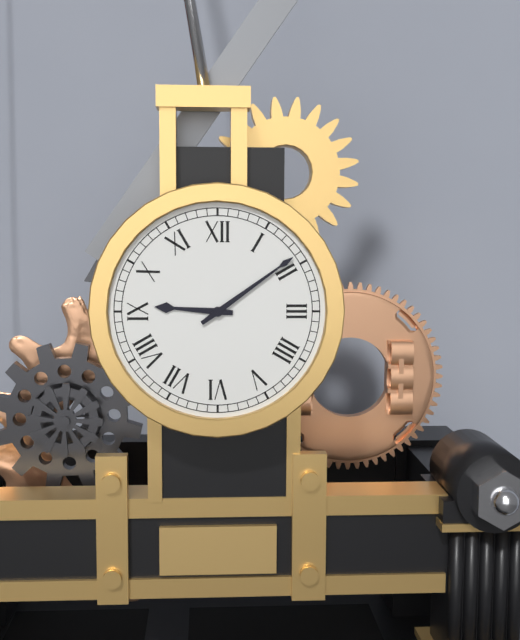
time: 9:09
